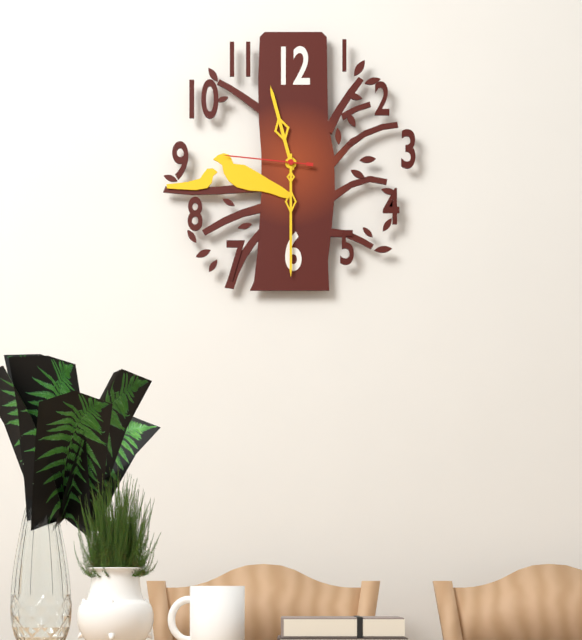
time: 11:30:46
